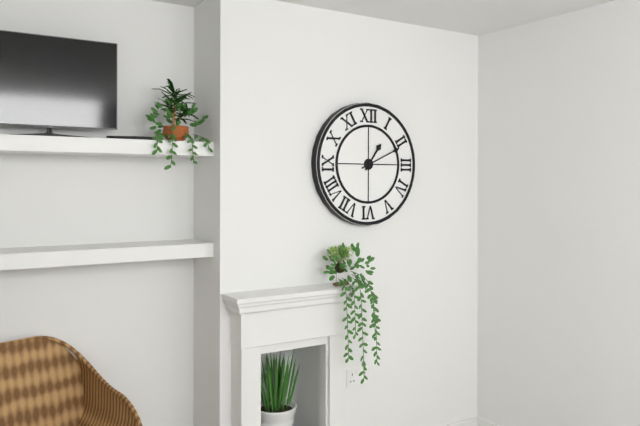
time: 1:11
